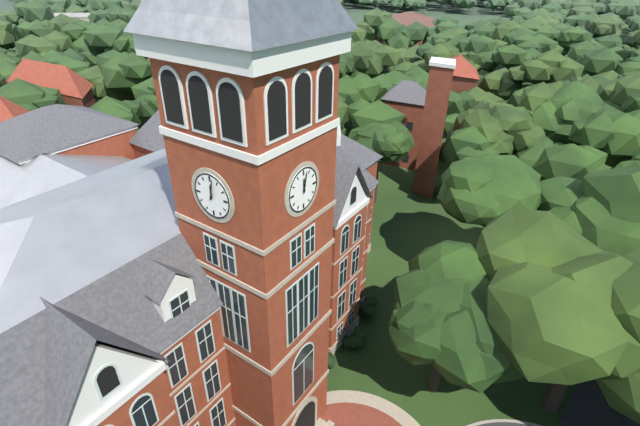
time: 12:02
